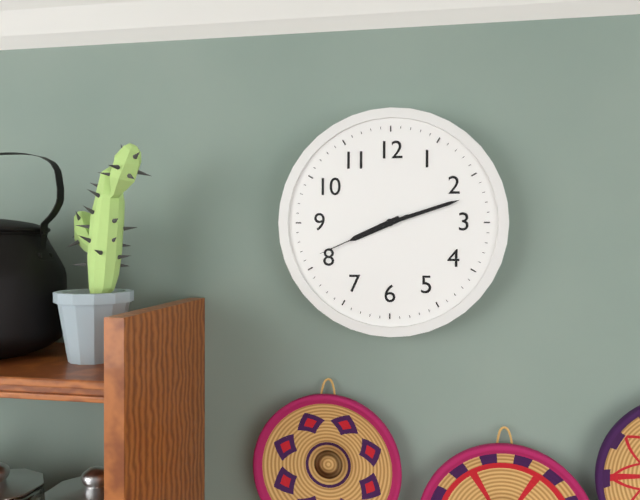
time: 8:12:41
